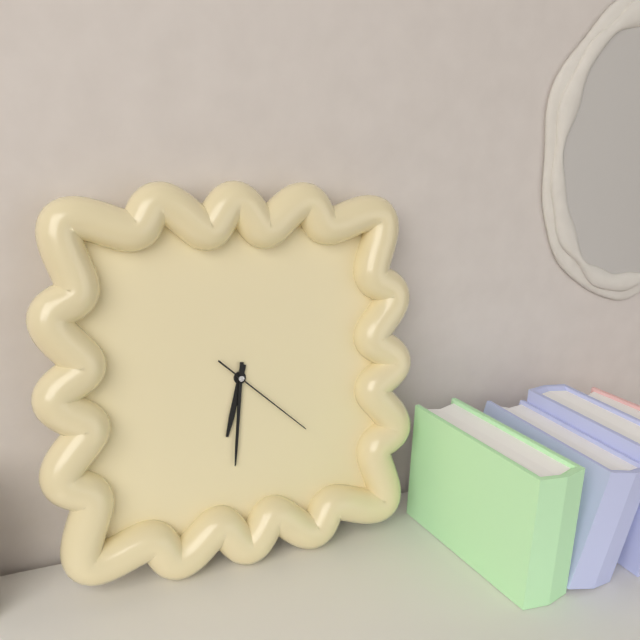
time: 6:31:22
